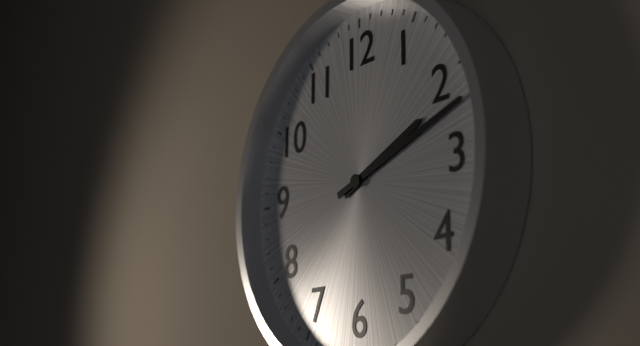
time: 2:12
